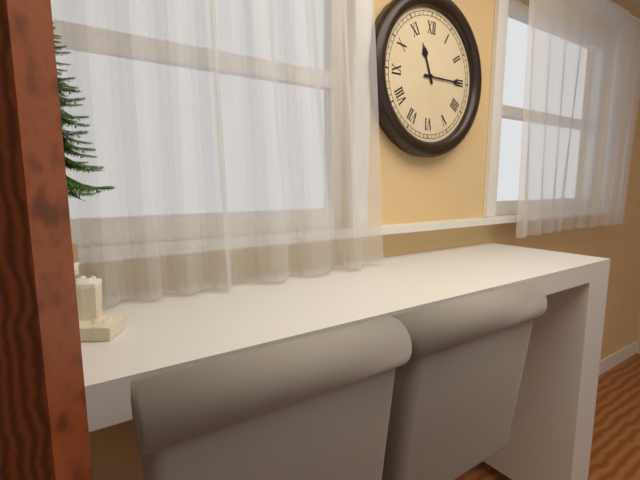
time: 11:15
